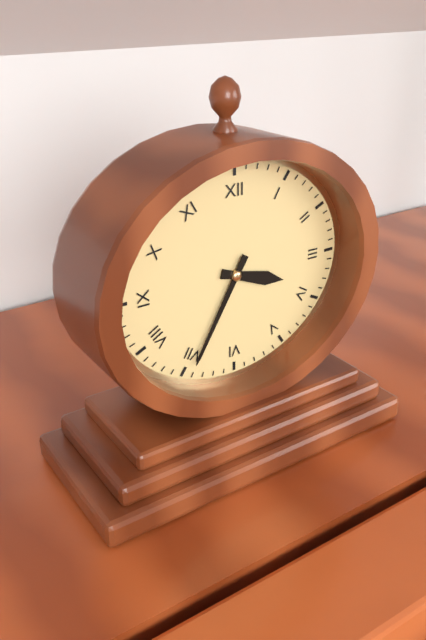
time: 3:35
